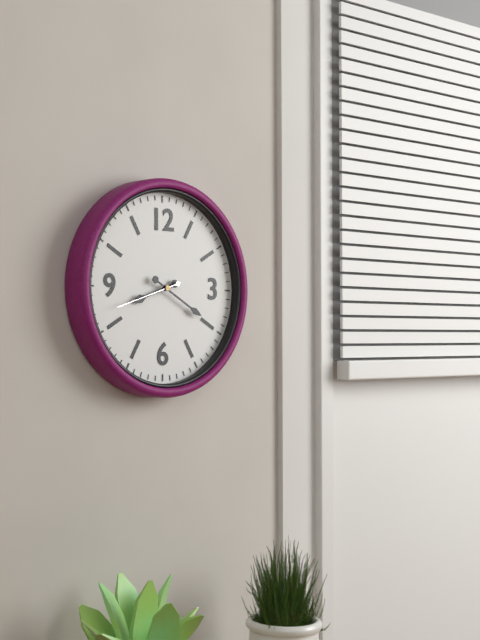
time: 8:20
